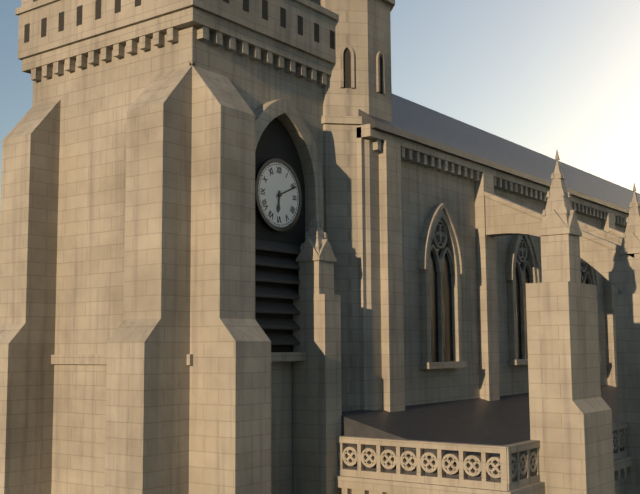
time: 6:11
